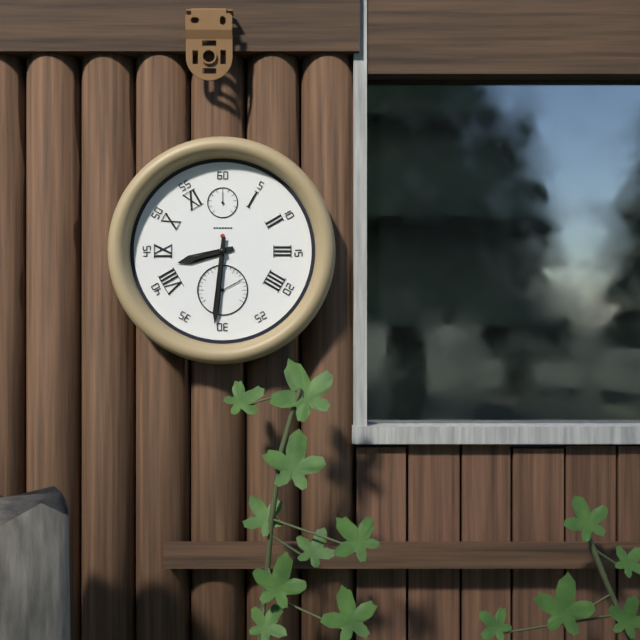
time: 8:31
